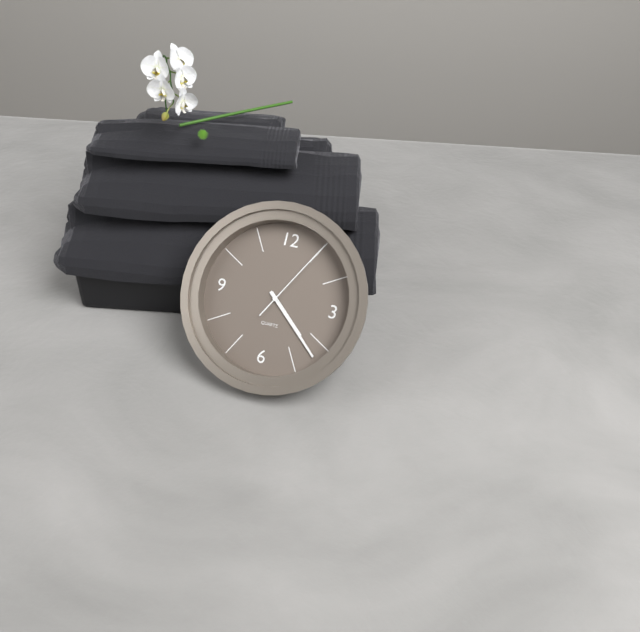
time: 4:22:05
